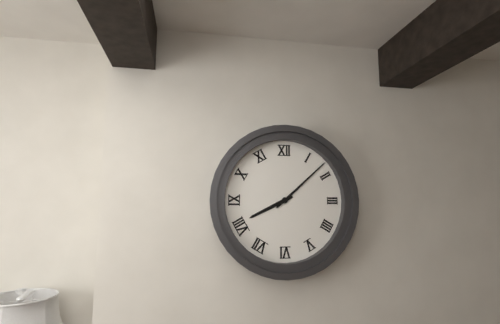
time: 8:08
